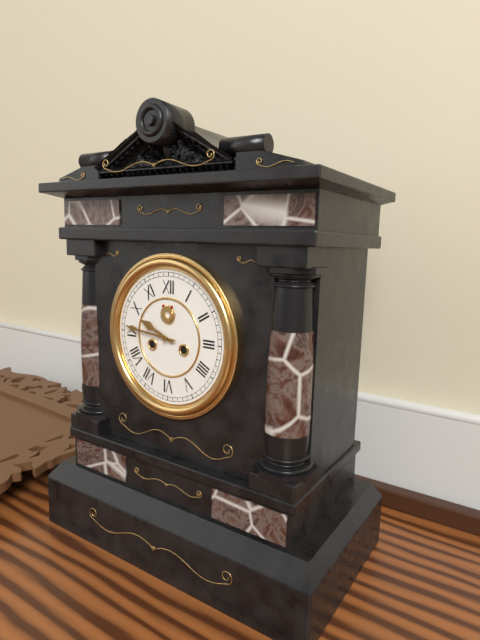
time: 9:46
